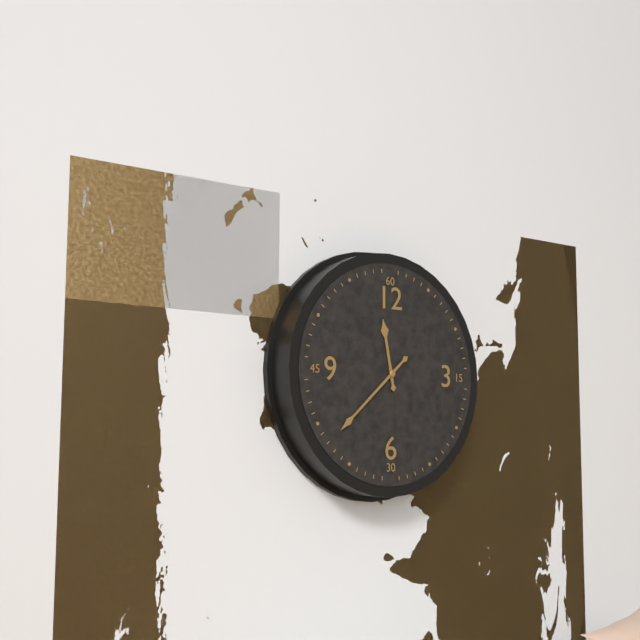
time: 11:38
